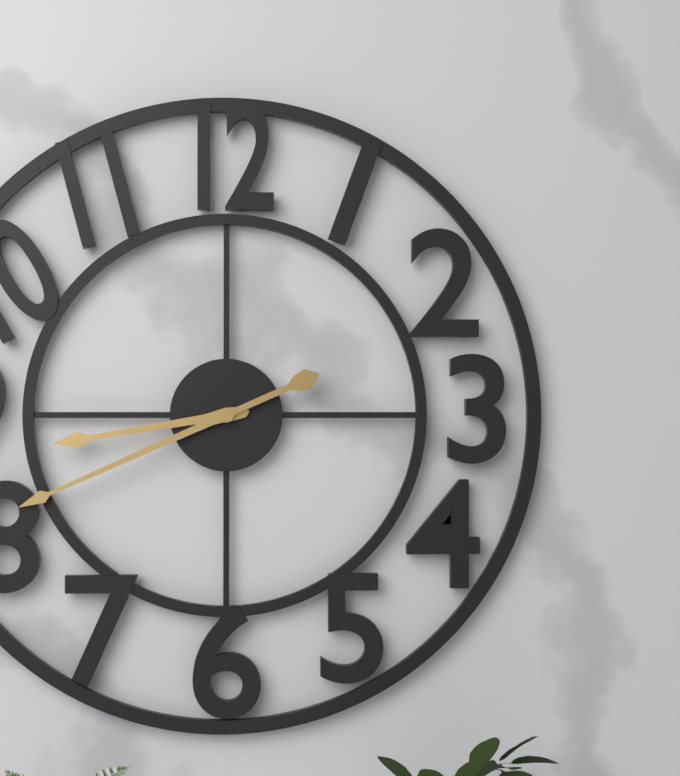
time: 8:41
